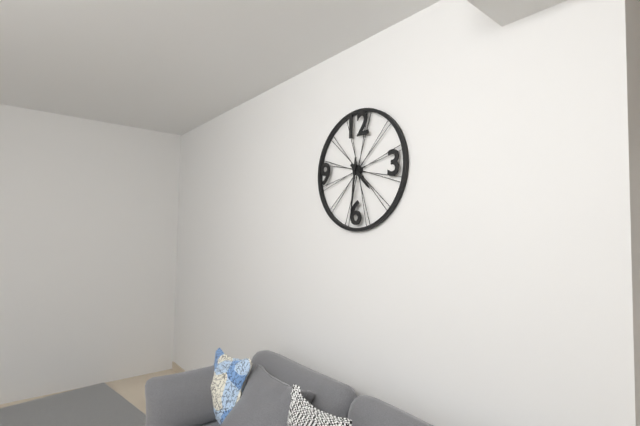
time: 4:31
